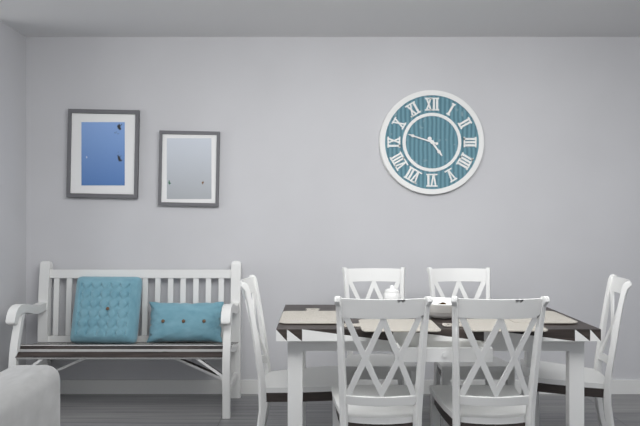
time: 4:48
